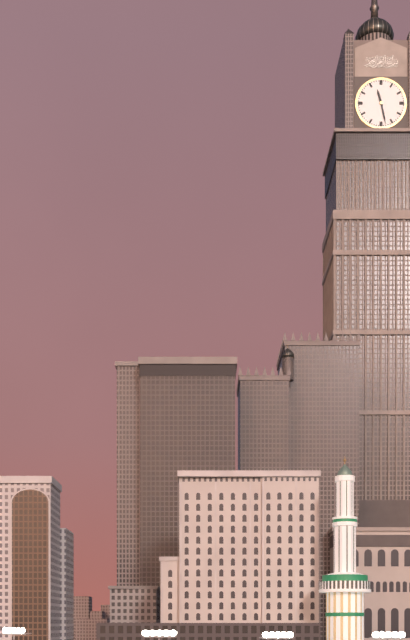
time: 11:28
